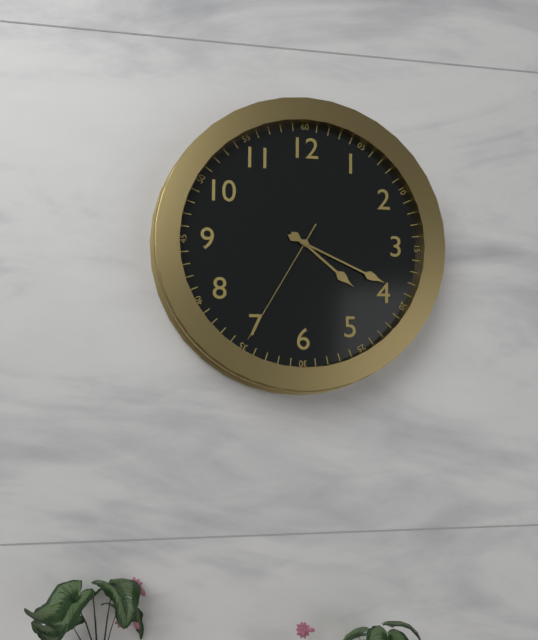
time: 4:19:35
